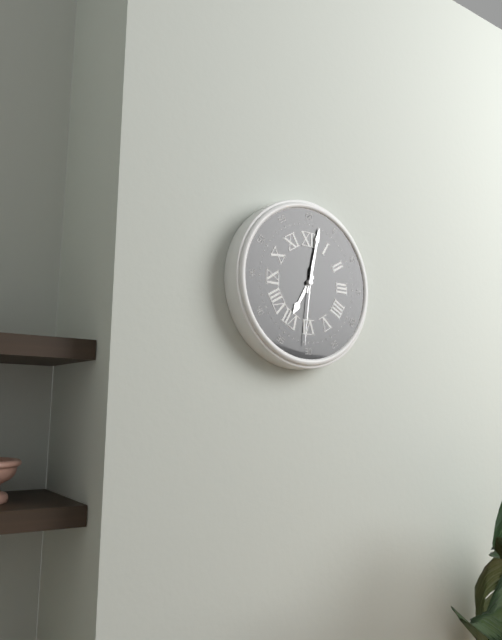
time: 7:02:31
